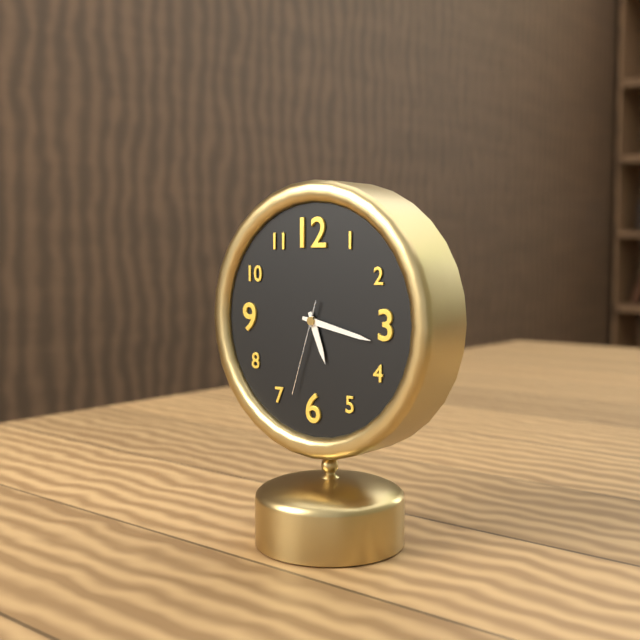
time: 5:17:33
